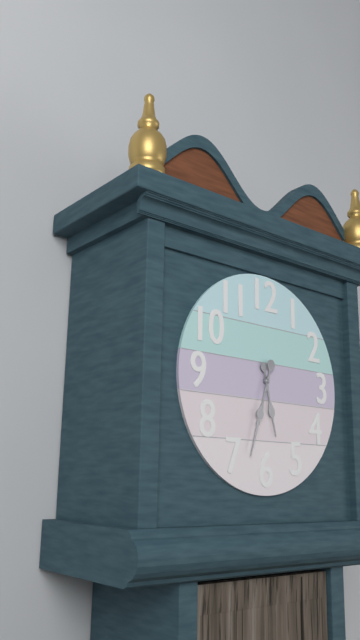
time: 5:33
